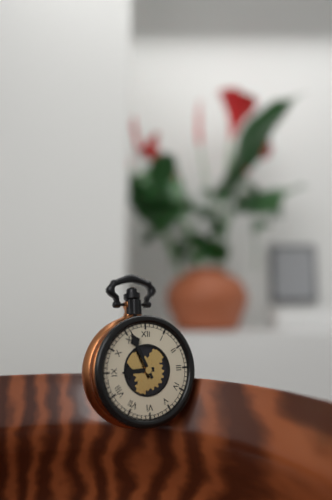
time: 8:56
